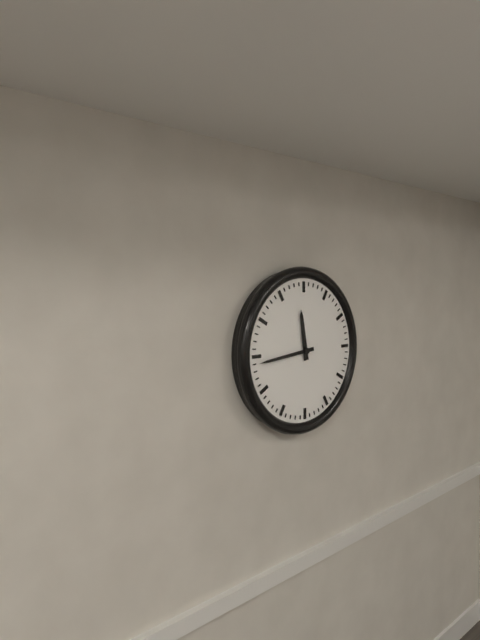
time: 11:44
